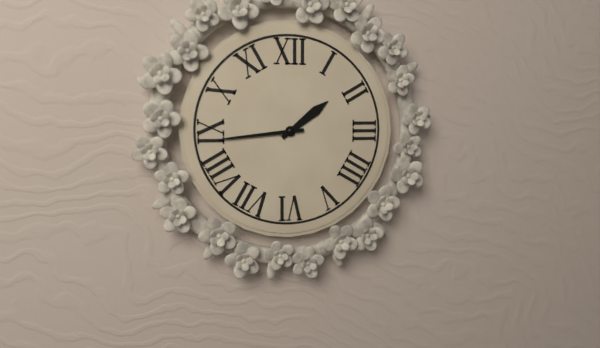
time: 1:44
